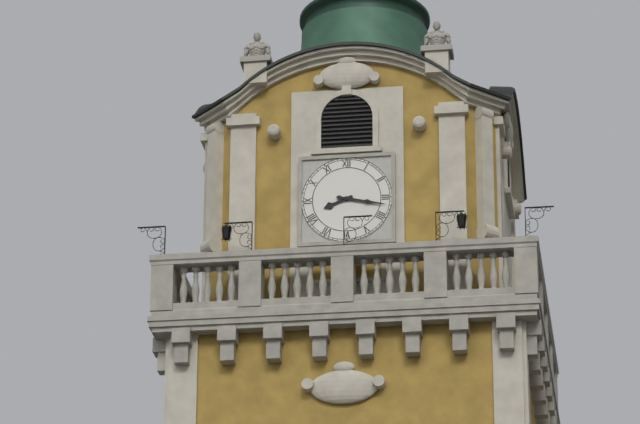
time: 8:17
